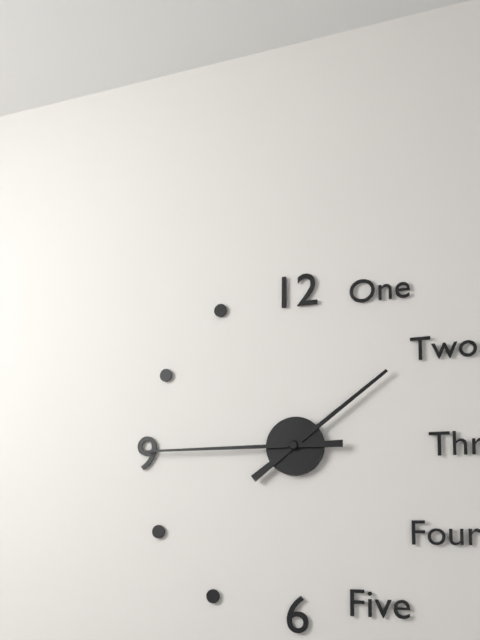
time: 1:45
